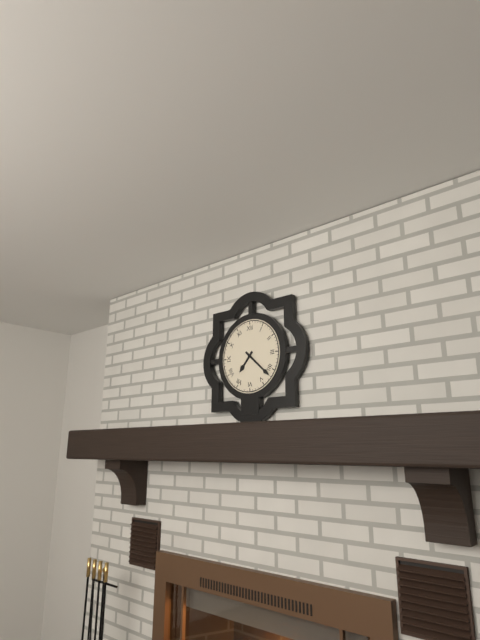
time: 7:22
